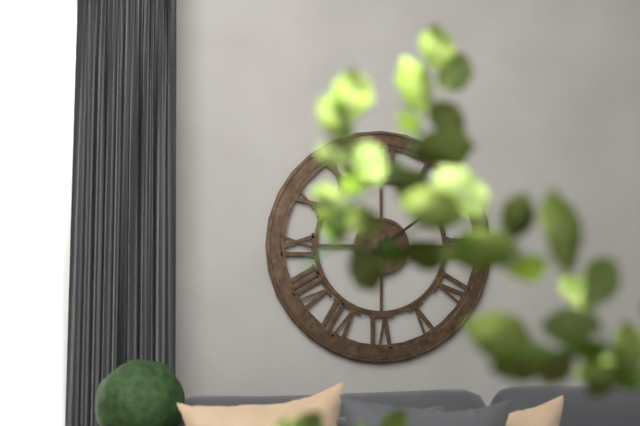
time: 7:09
